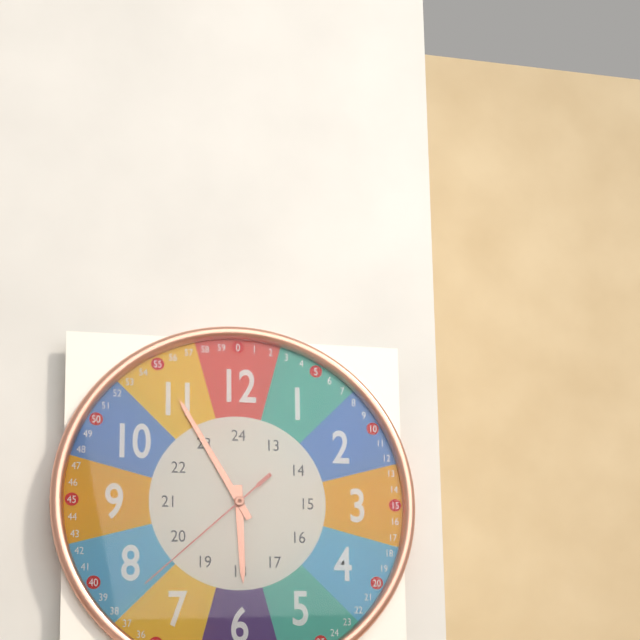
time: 5:55:38
